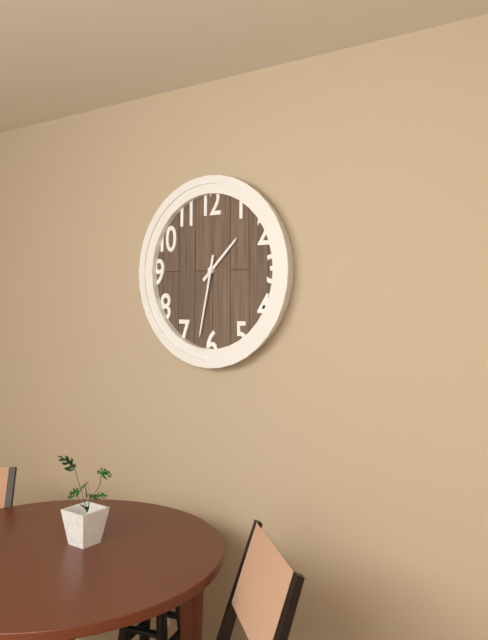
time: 1:32
